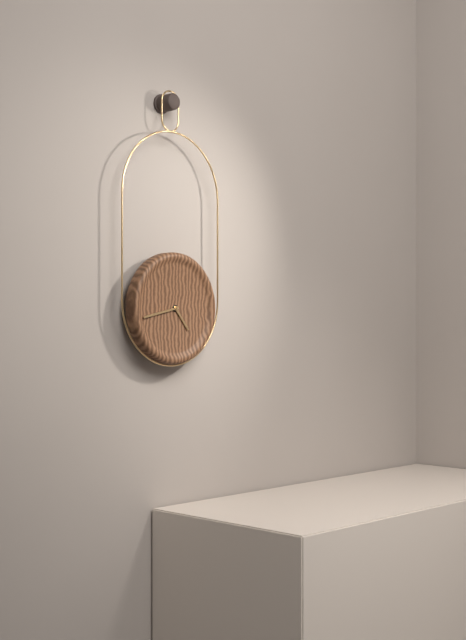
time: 4:43
